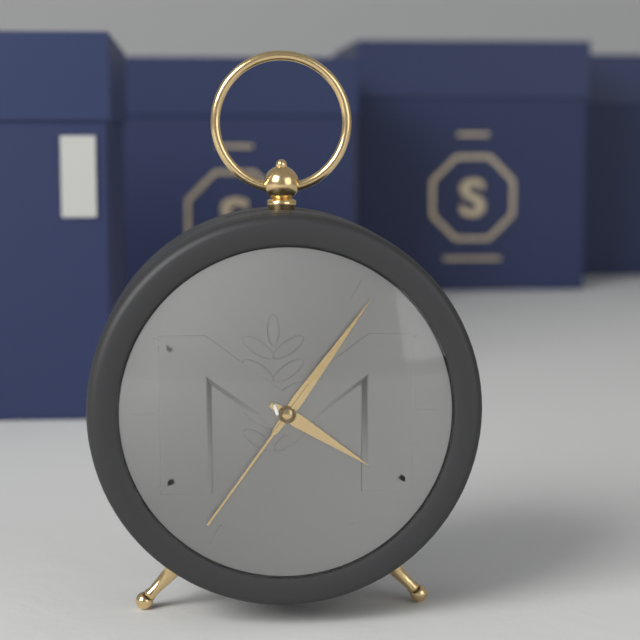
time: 4:06:36
